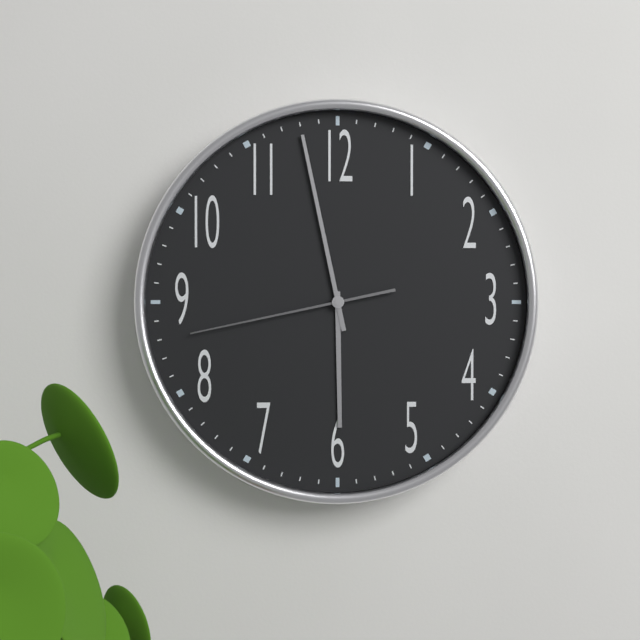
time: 5:58:43
